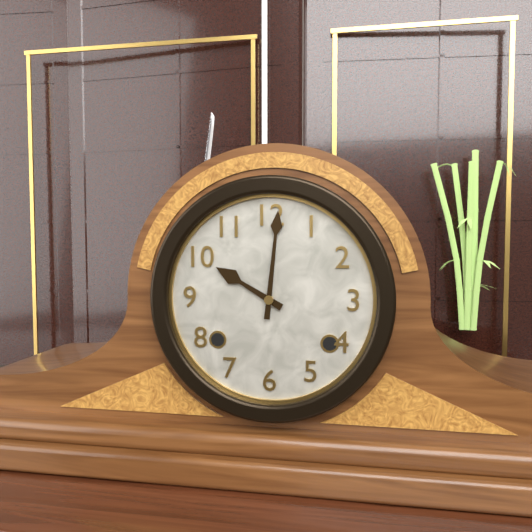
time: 10:01
